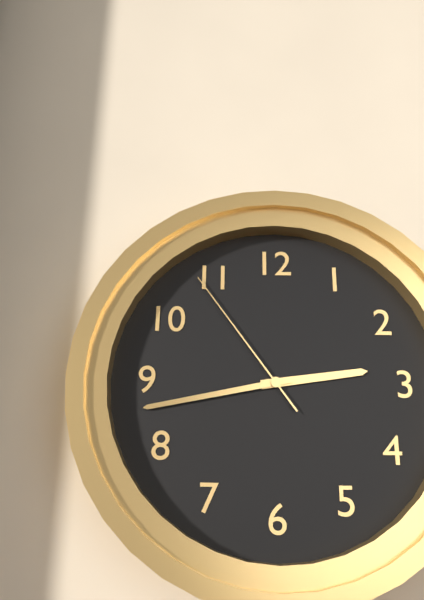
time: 2:43:54
